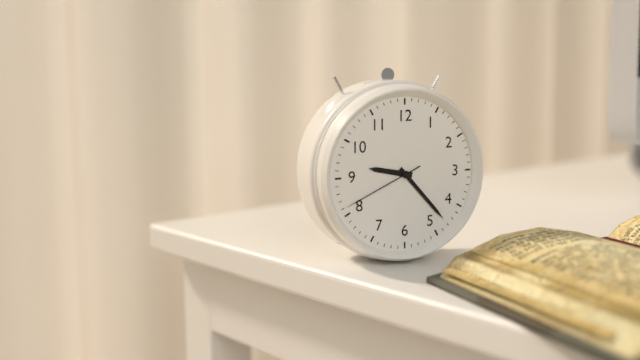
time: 9:23:41
